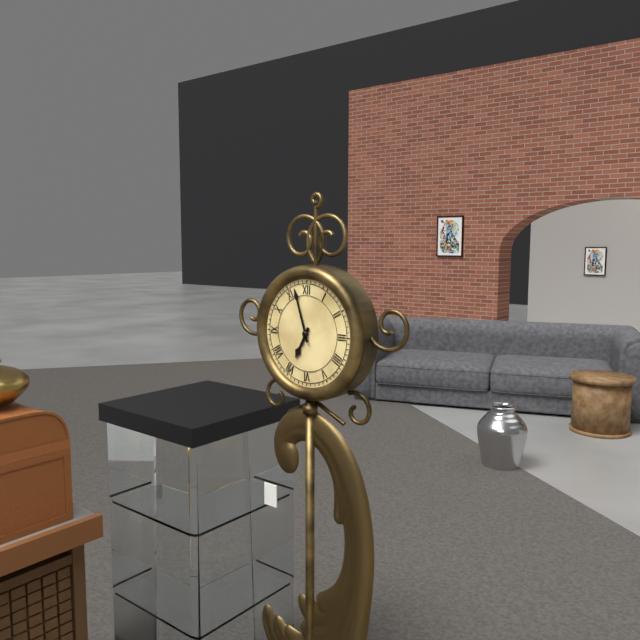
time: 6:57
